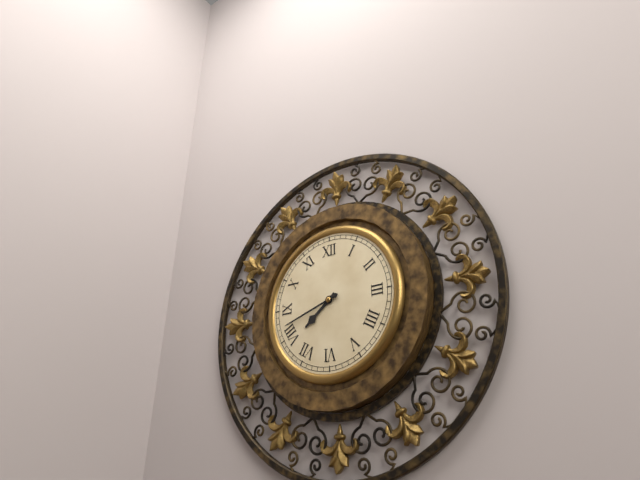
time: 7:42
